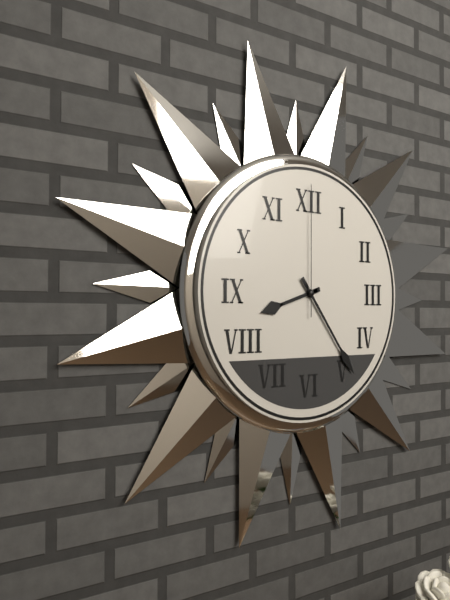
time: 8:24:00
